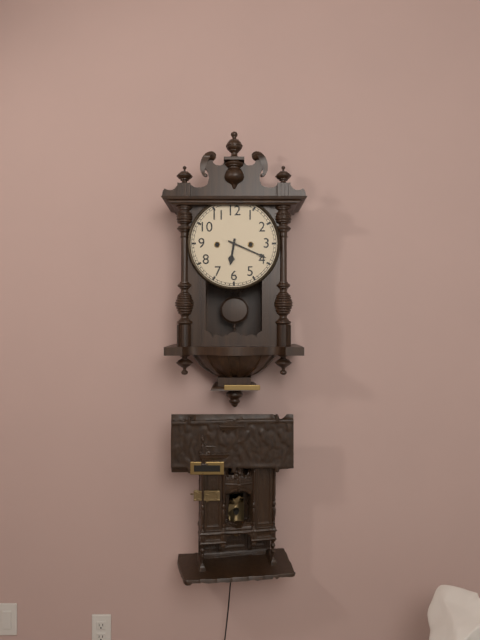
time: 6:19
